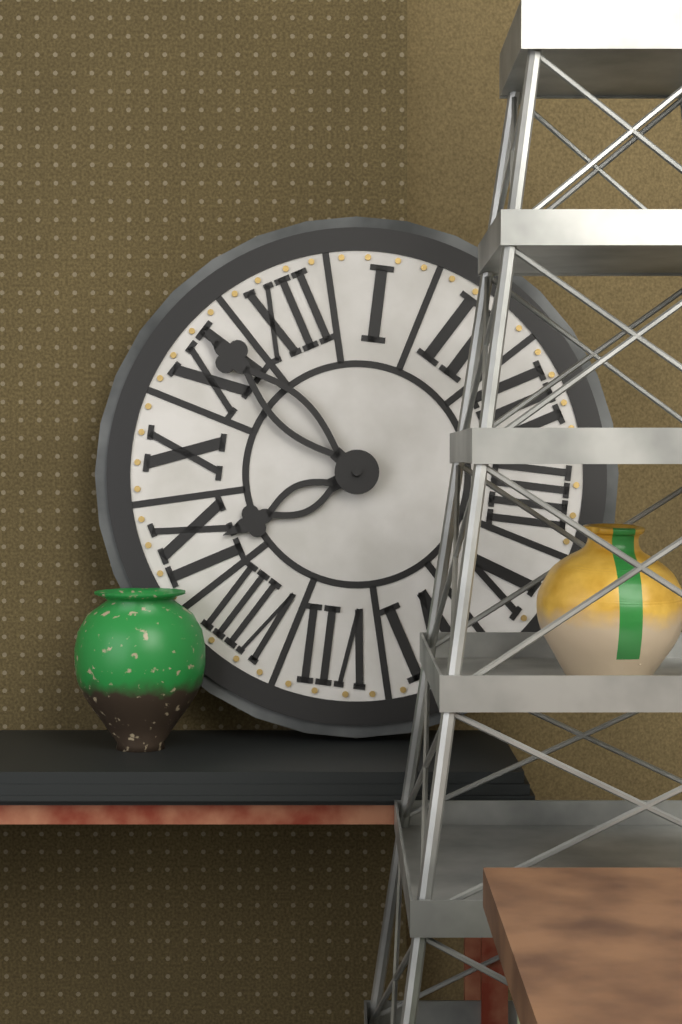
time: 8:56
